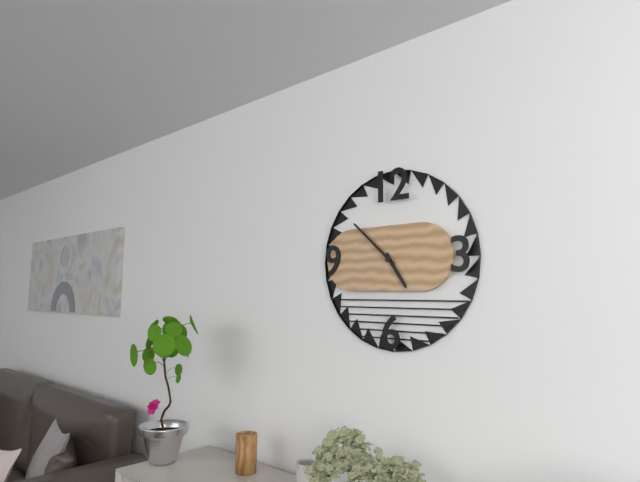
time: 4:52
